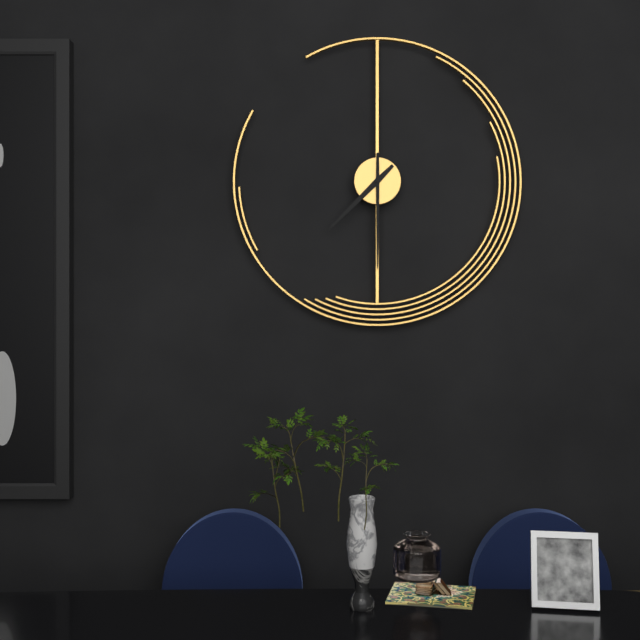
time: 7:30
